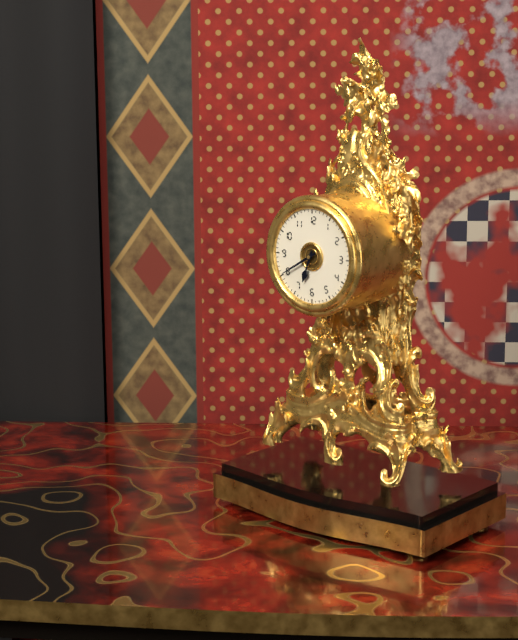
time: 6:40
